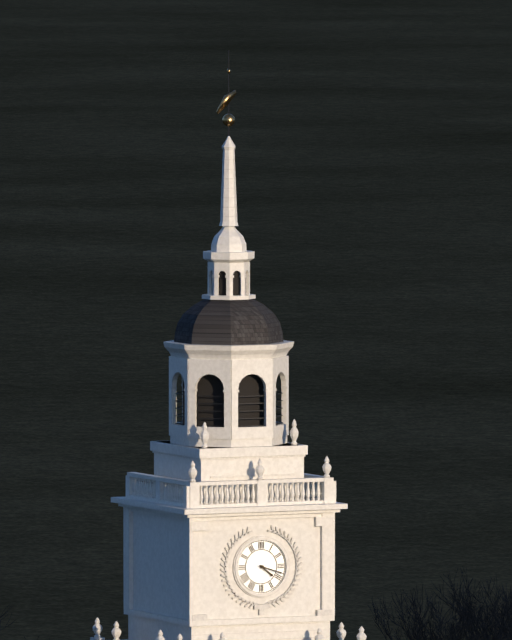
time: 4:18
